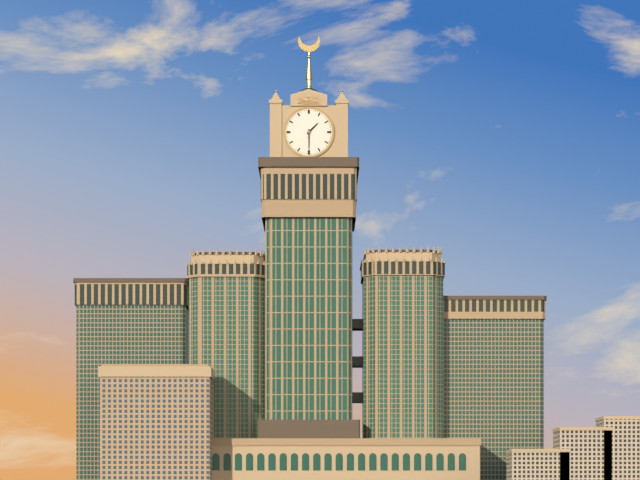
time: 1:30
